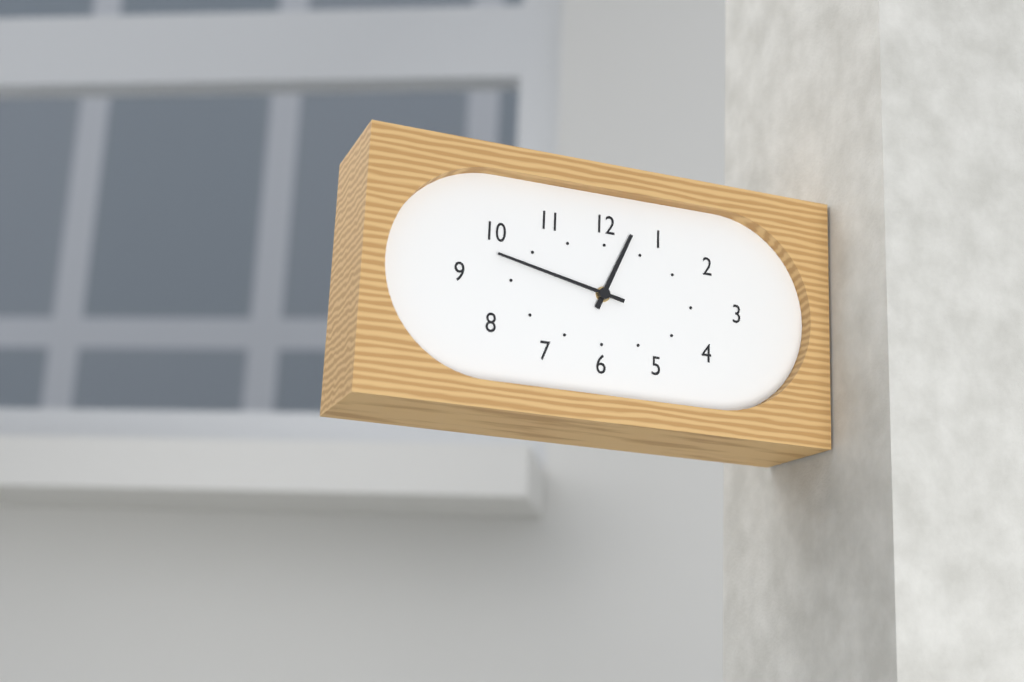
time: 12:47
